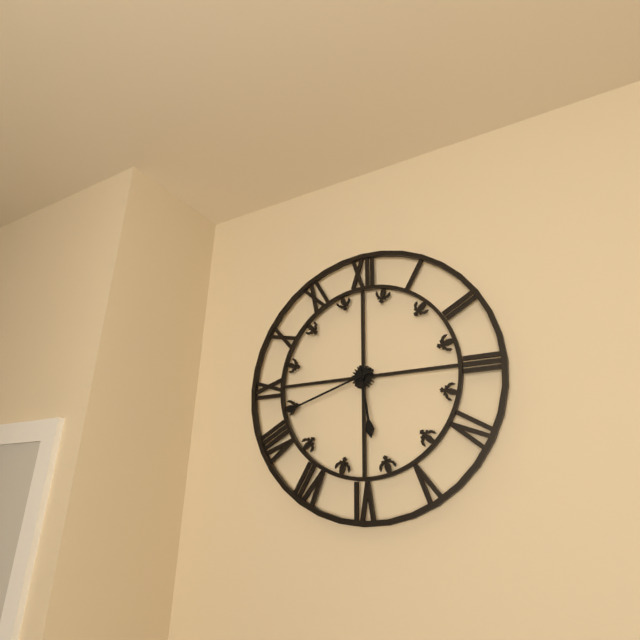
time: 5:42
